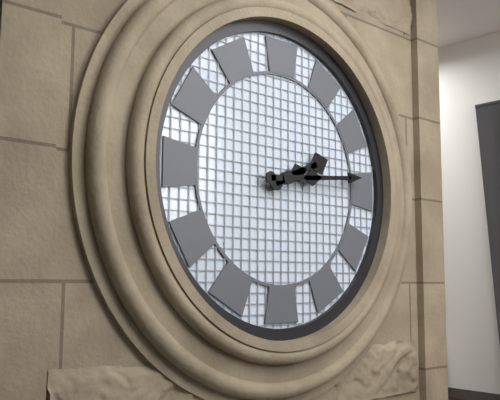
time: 2:14
